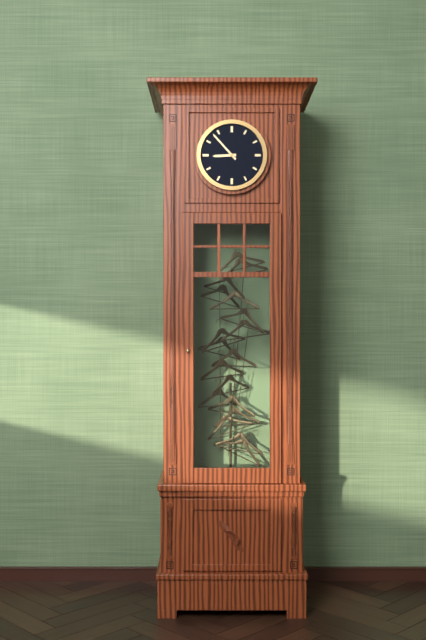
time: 8:53
